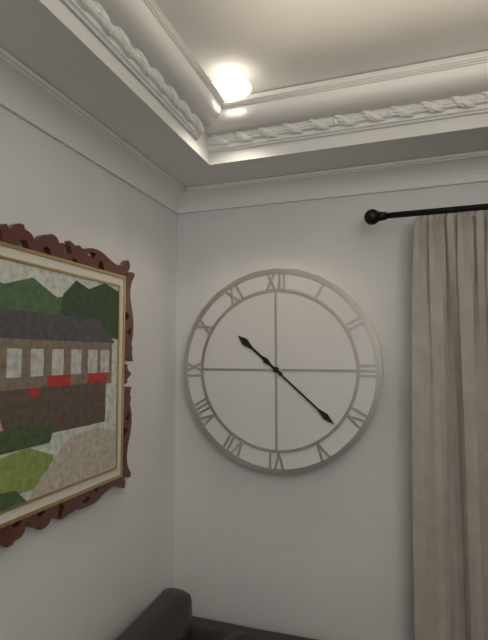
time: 10:22
